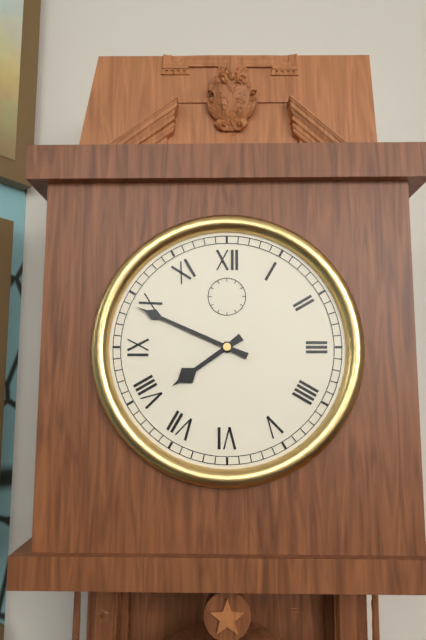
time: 7:49
